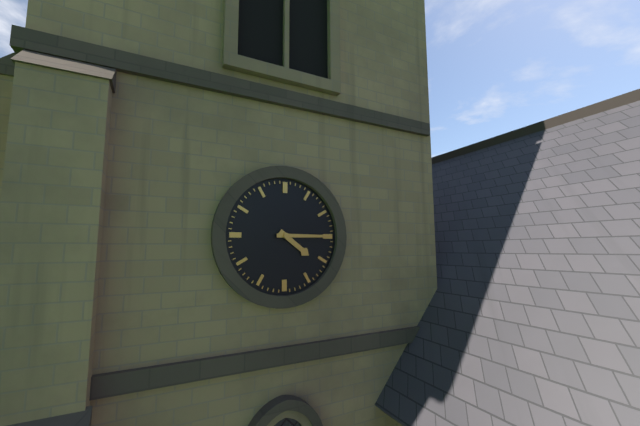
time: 4:15
